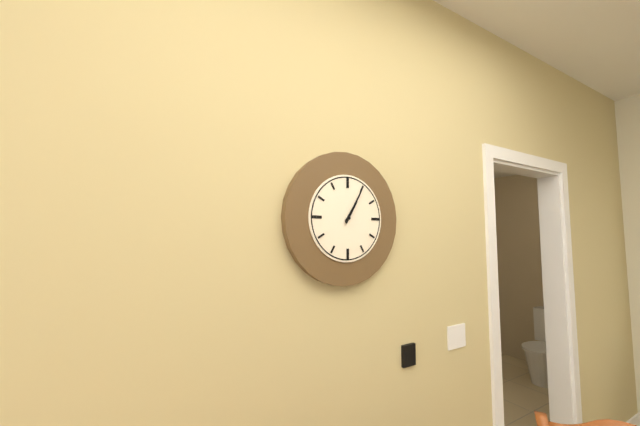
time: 1:05
